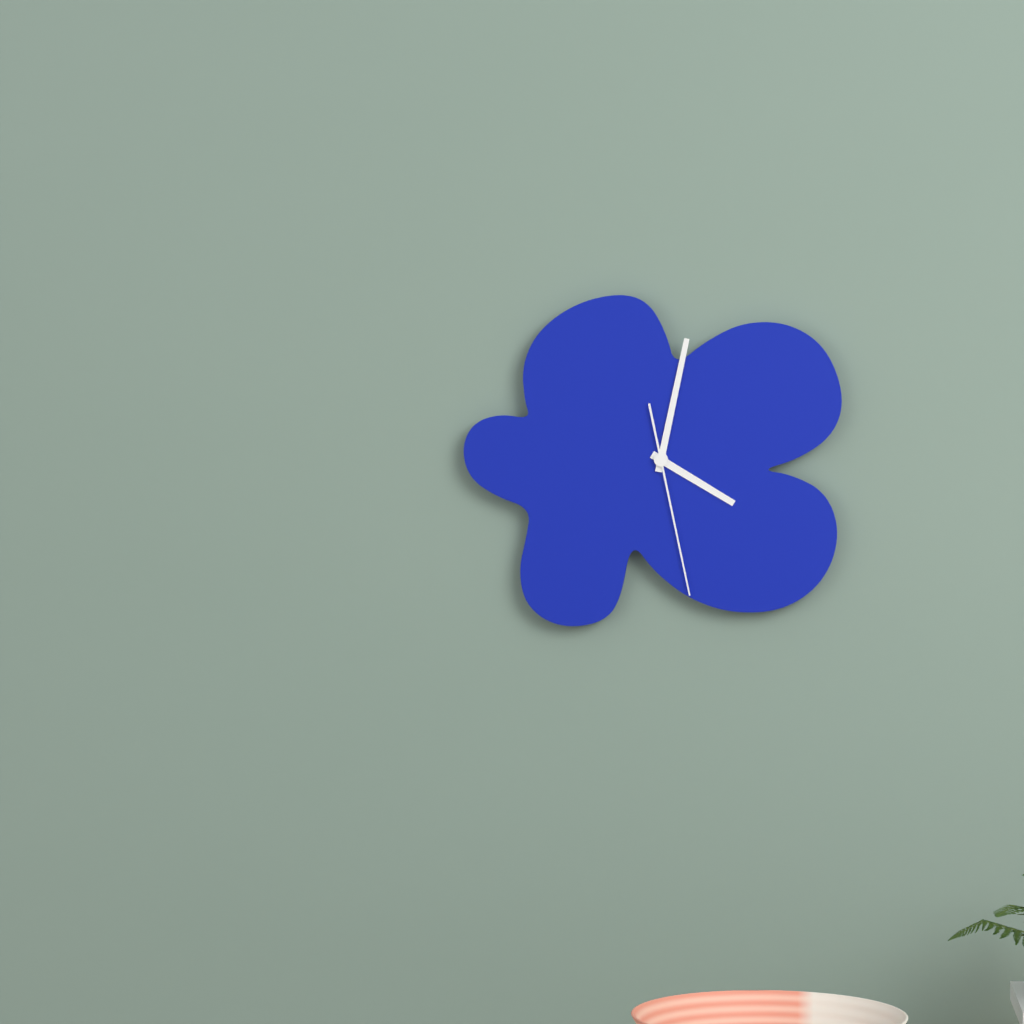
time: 4:02:28
